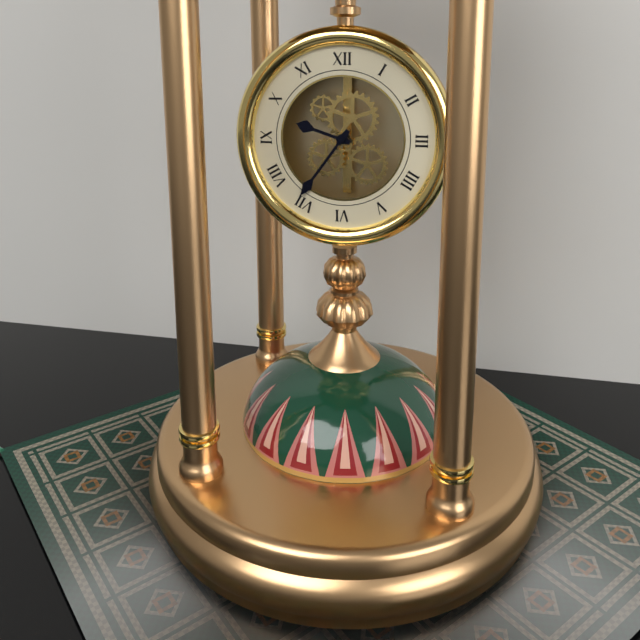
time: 9:36
